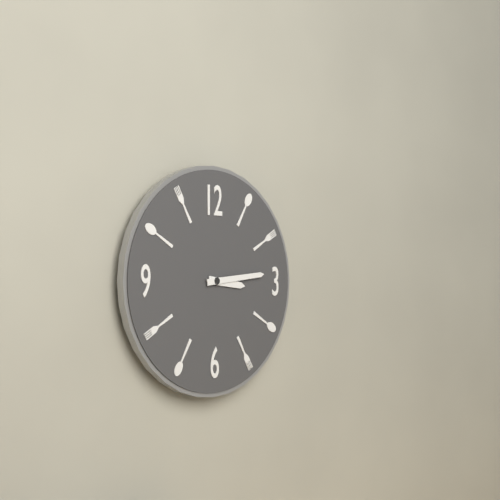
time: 3:14
